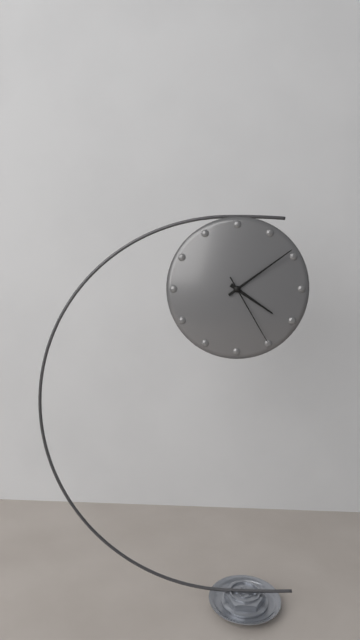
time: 4:09:25
